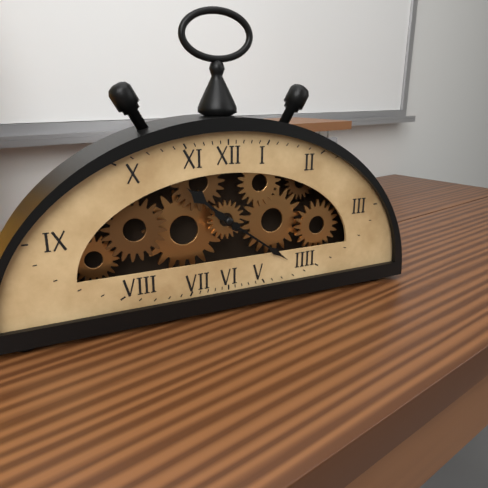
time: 10:21
